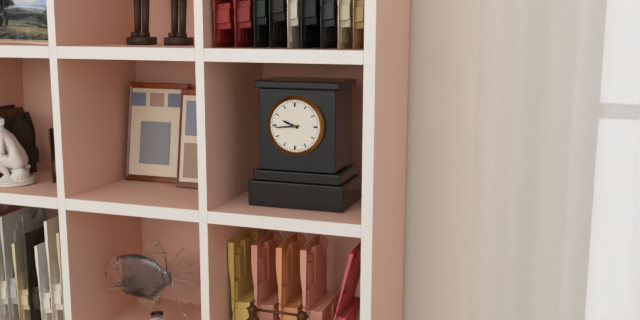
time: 9:44
